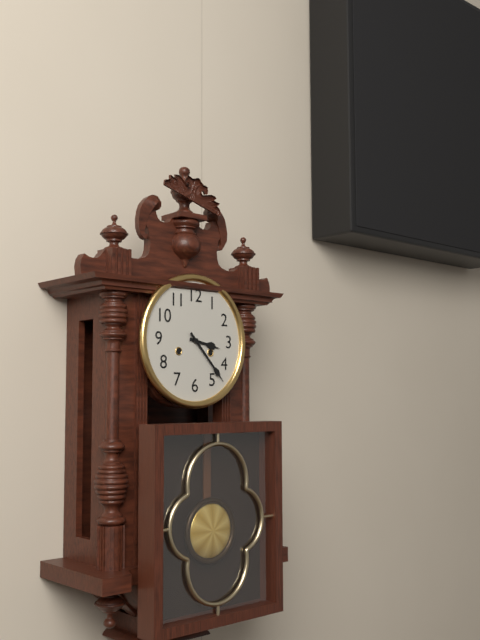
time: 3:23
